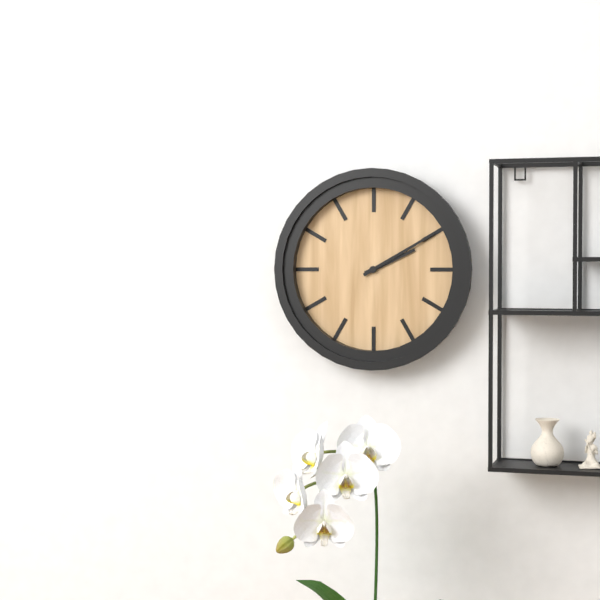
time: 2:10
